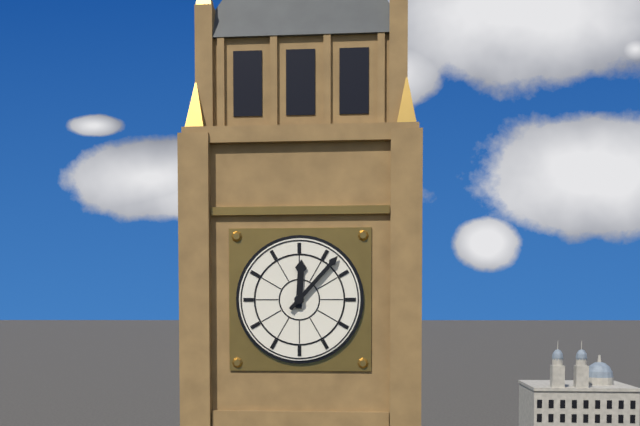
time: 12:07
